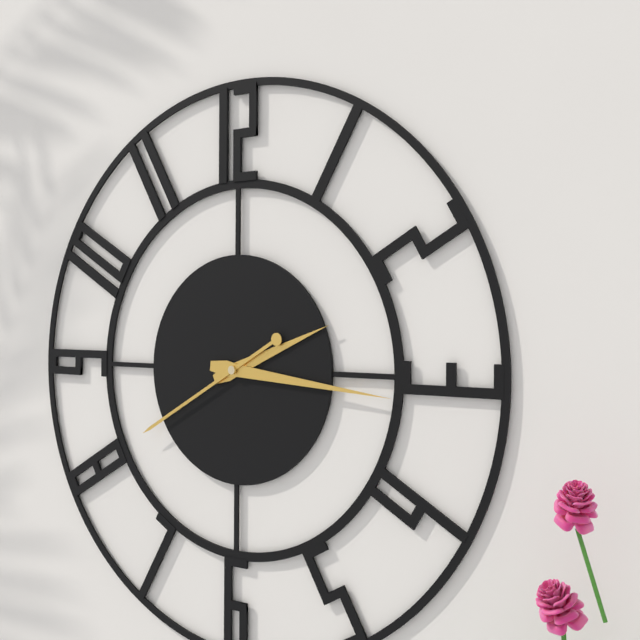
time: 2:16:40
